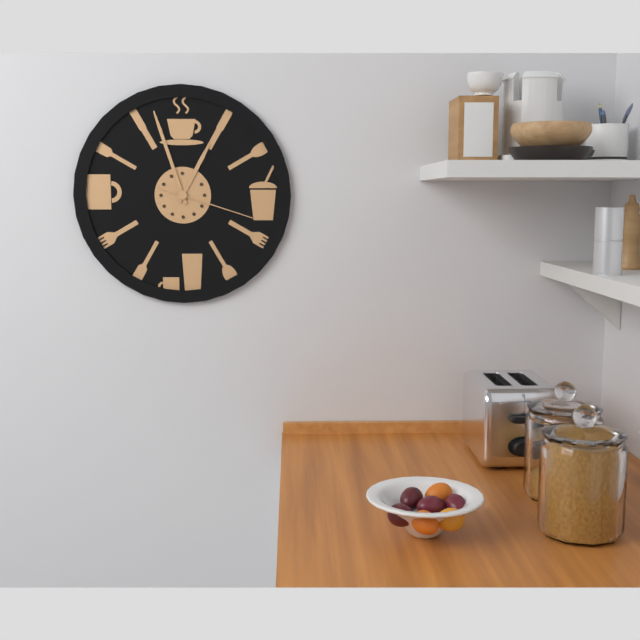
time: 12:57:18
